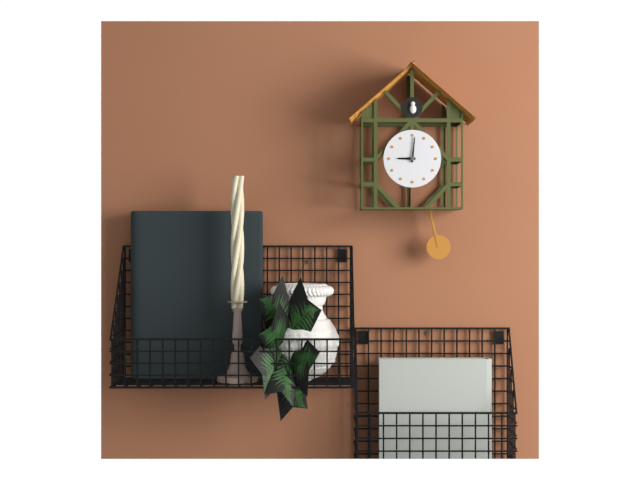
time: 9:01
